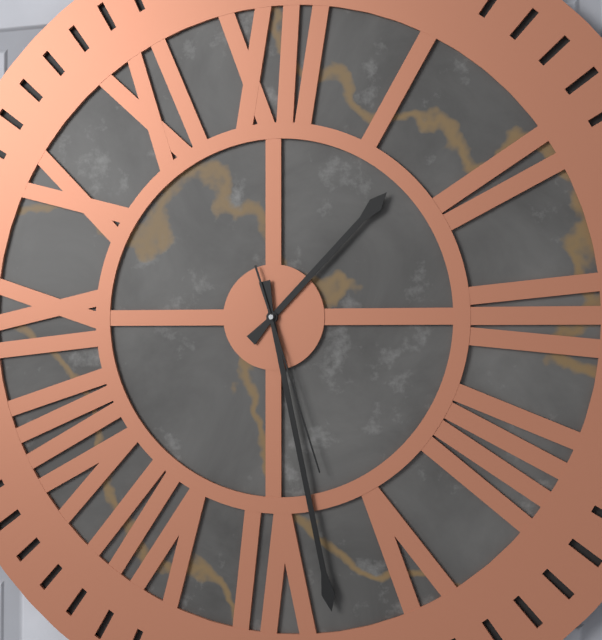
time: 1:28:27
